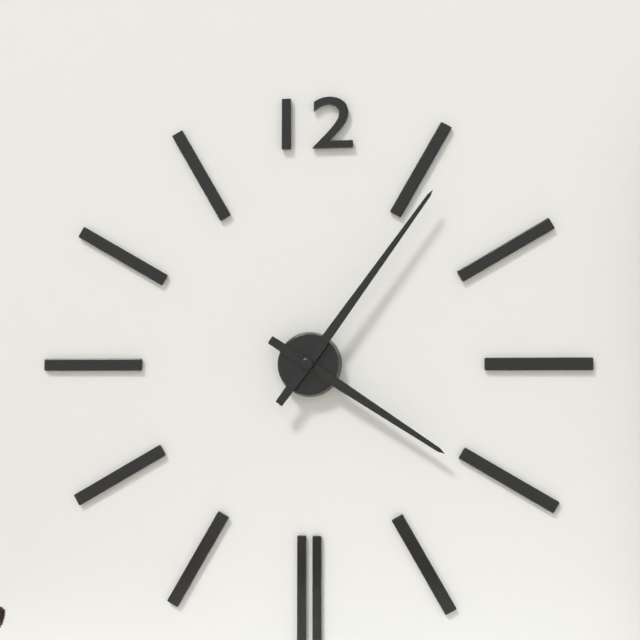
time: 4:06
